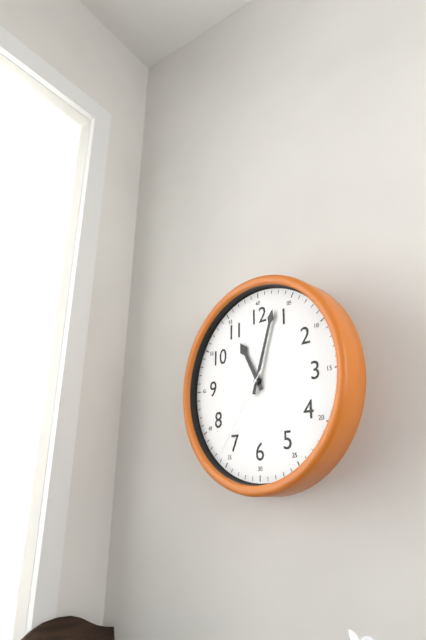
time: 11:03:36
